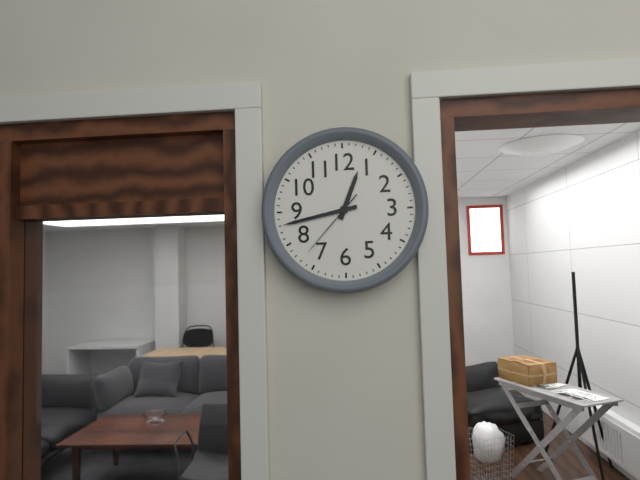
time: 12:43:37
